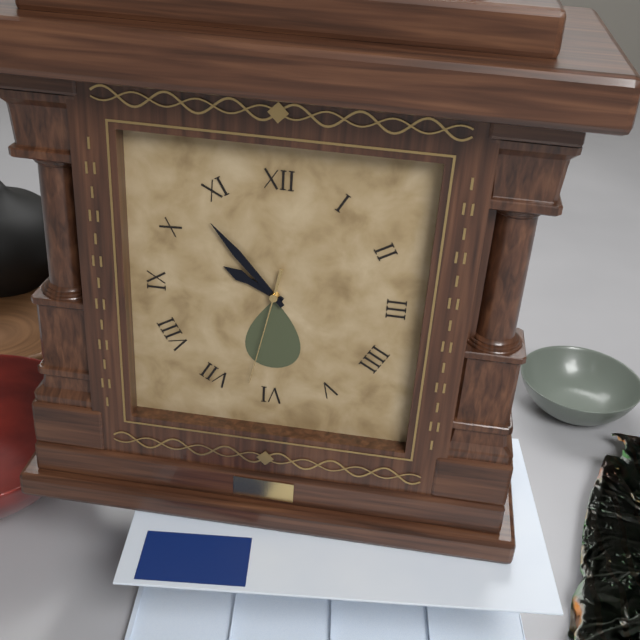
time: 9:53:32
